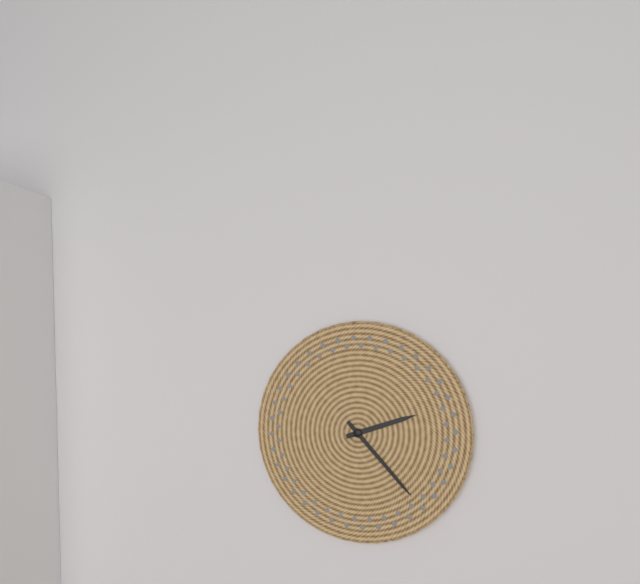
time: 2:23
